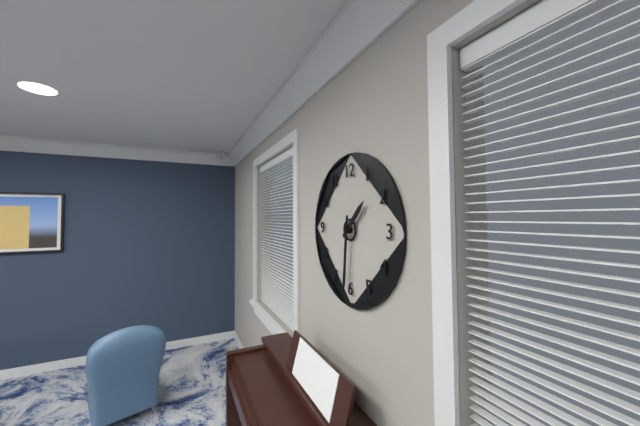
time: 1:31
